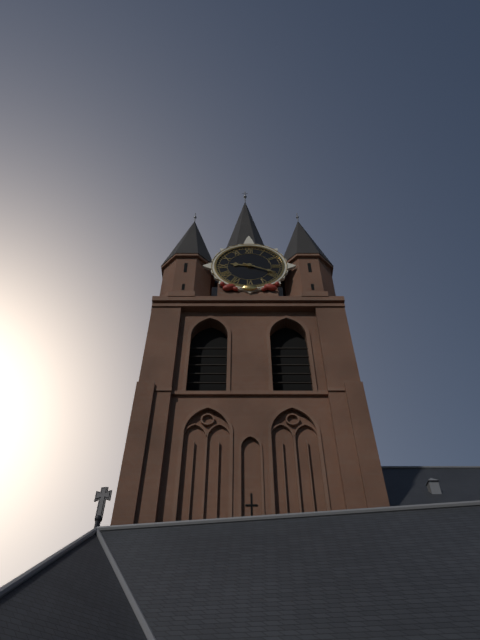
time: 9:19
